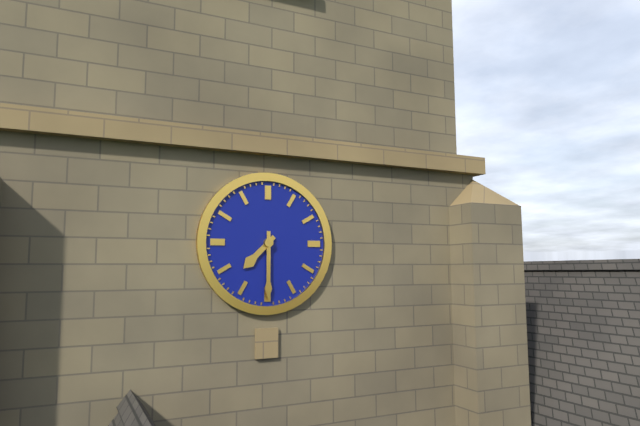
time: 7:30
